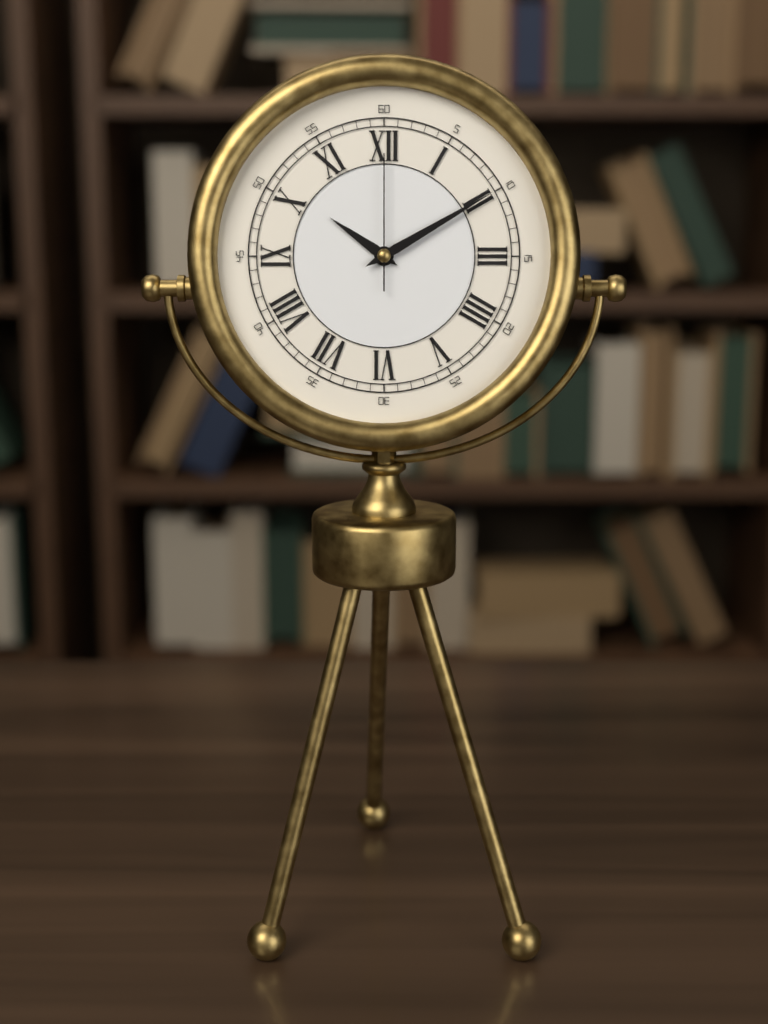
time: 10:10:00
